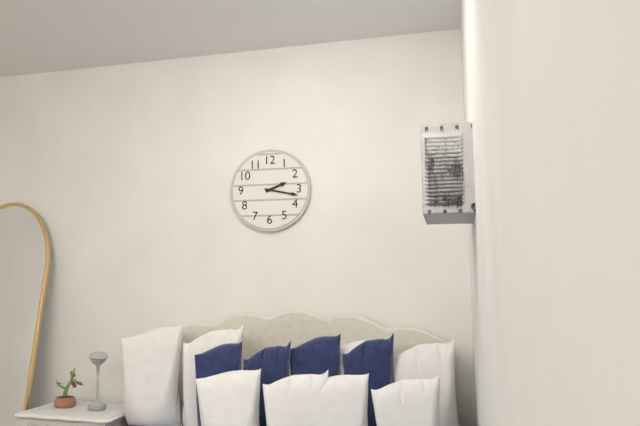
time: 2:17
